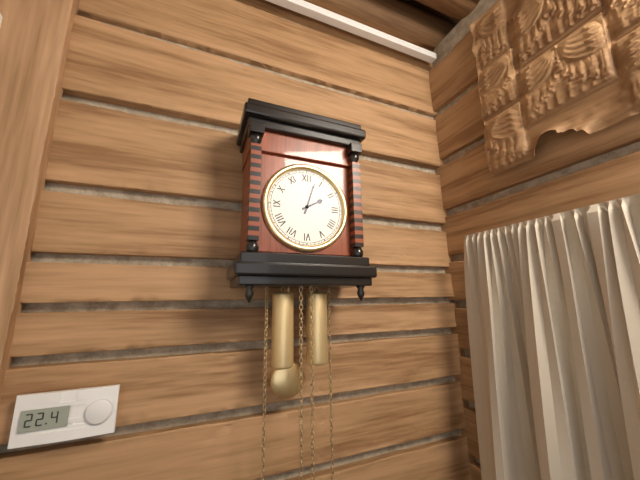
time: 2:03
